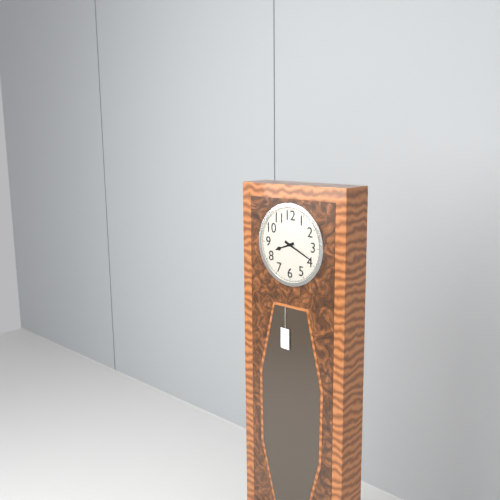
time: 8:19
